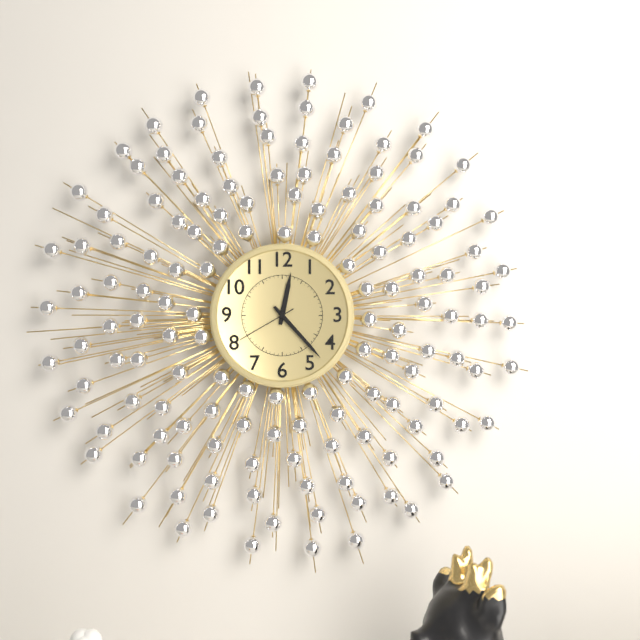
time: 12:23:40
